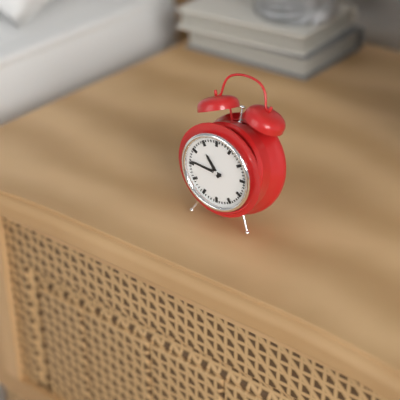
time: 10:46
